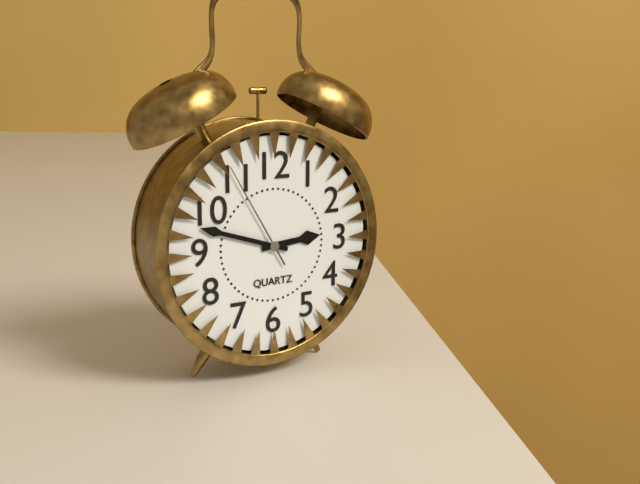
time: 2:48:55
